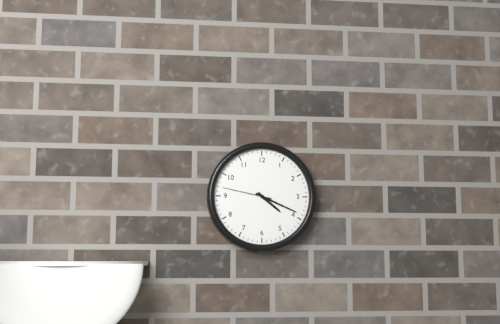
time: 4:19:47
